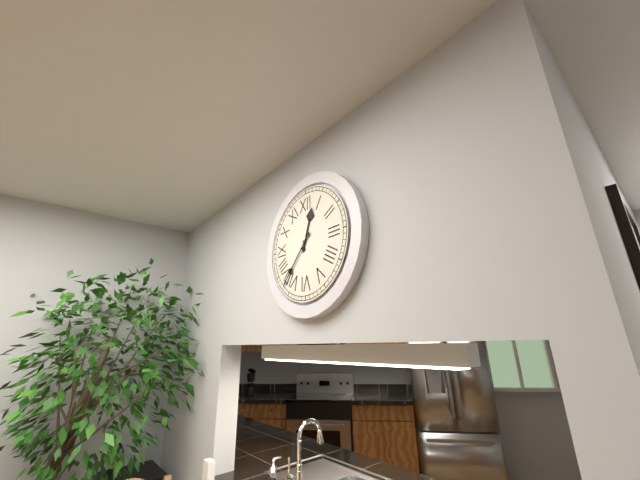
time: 12:37
